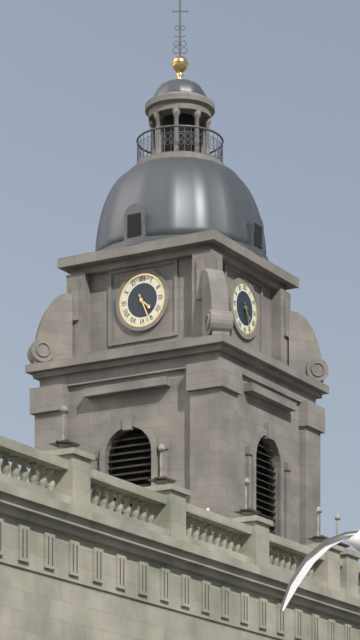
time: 4:26
